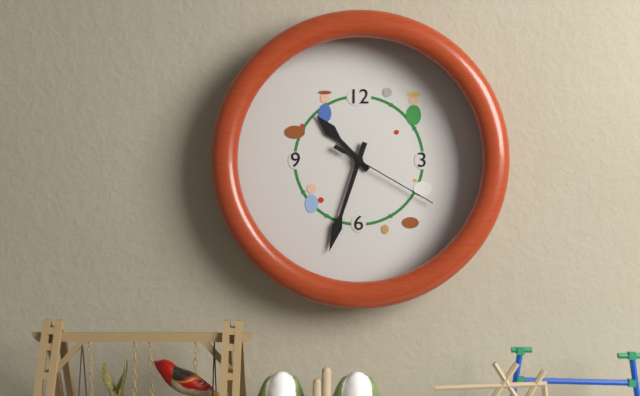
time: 10:33:20
